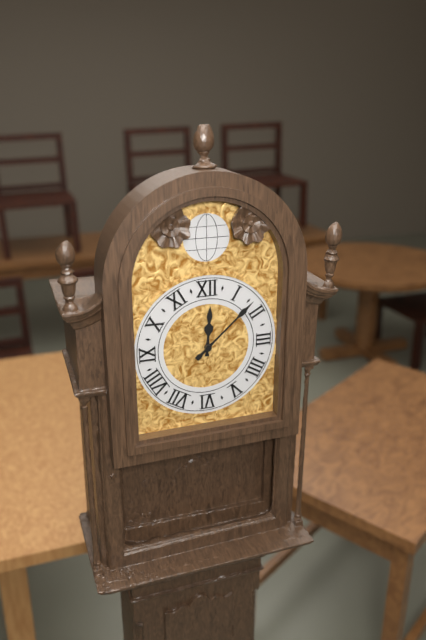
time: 12:08
